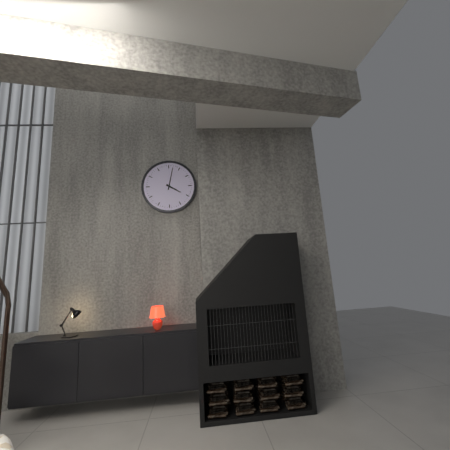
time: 4:02
